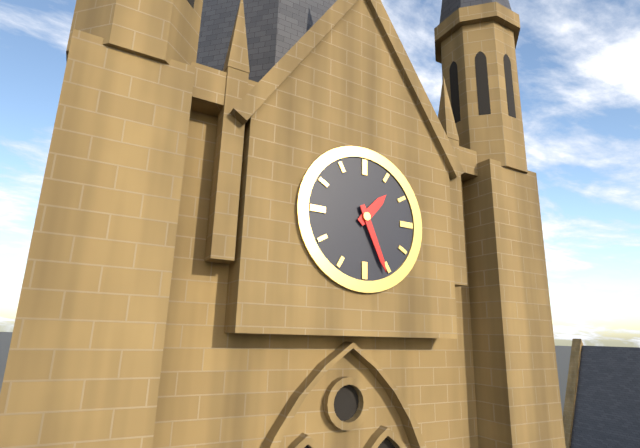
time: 1:26
